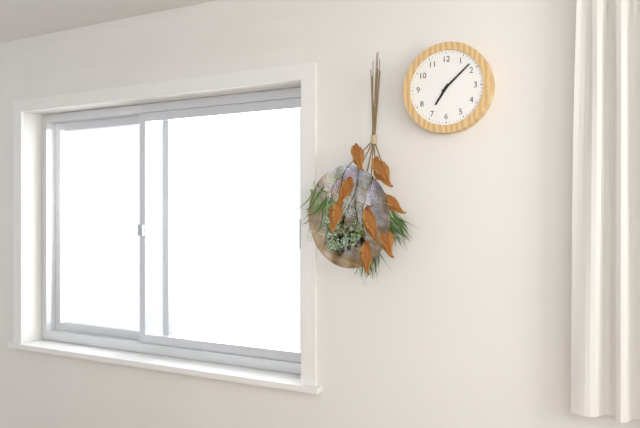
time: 7:08
